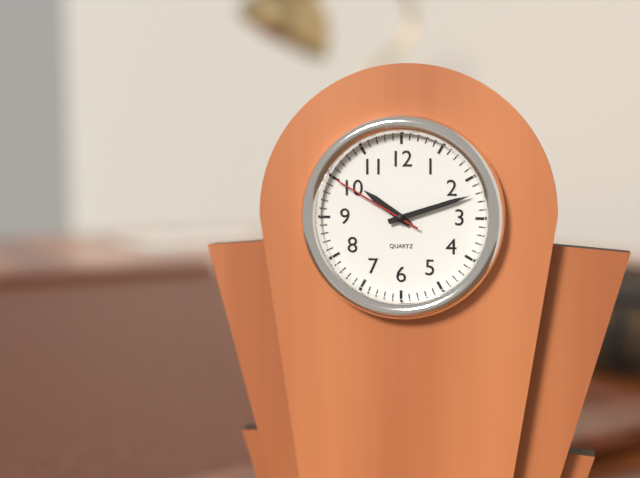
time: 10:12:50
